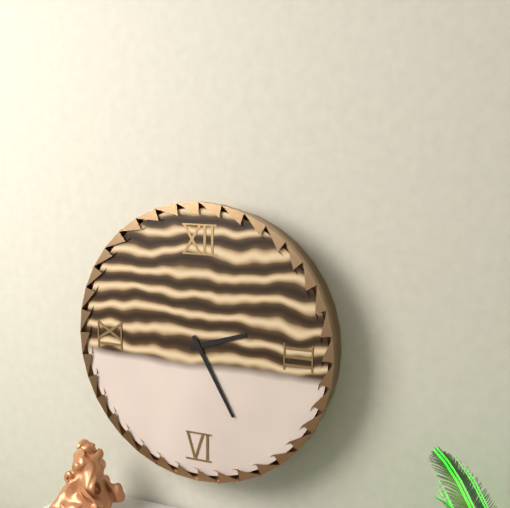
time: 2:25
